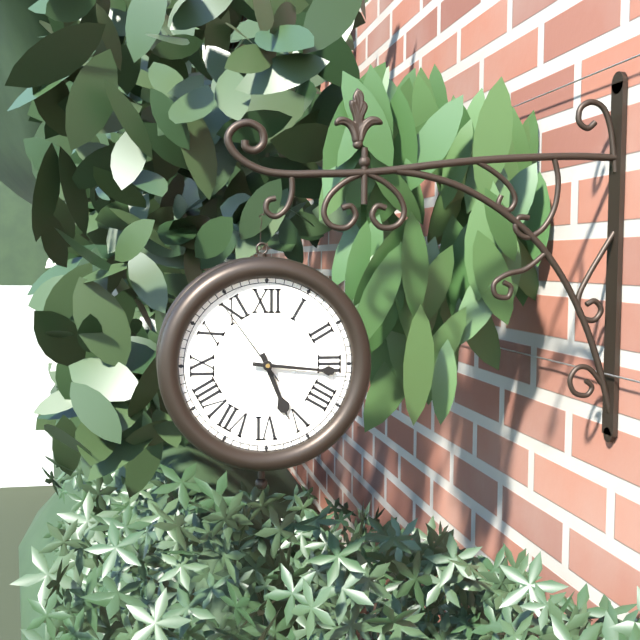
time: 5:16:54
